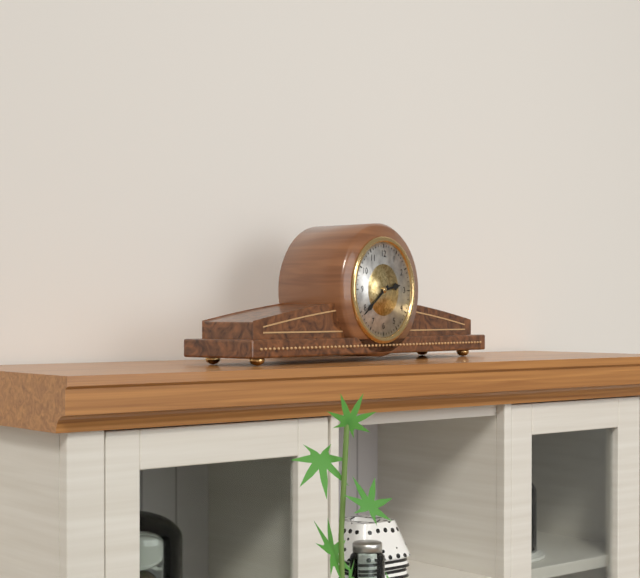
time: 2:39
